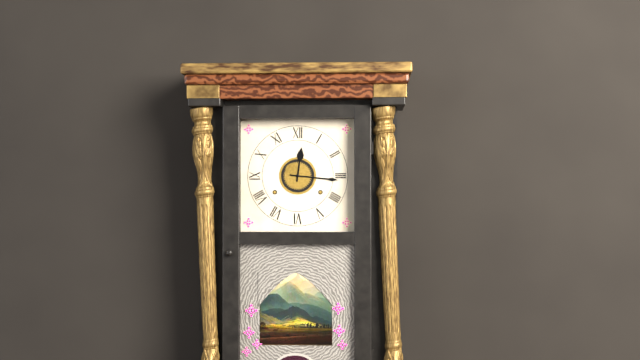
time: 12:16
